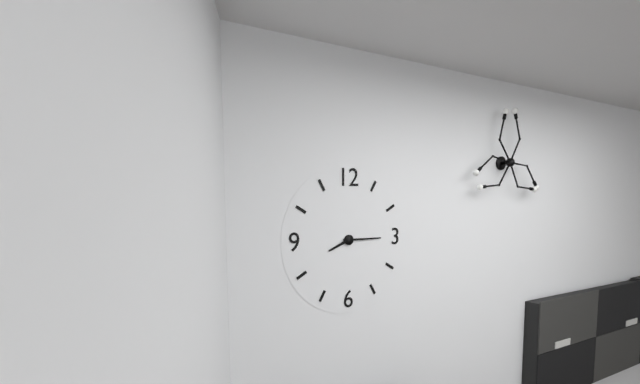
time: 8:15
